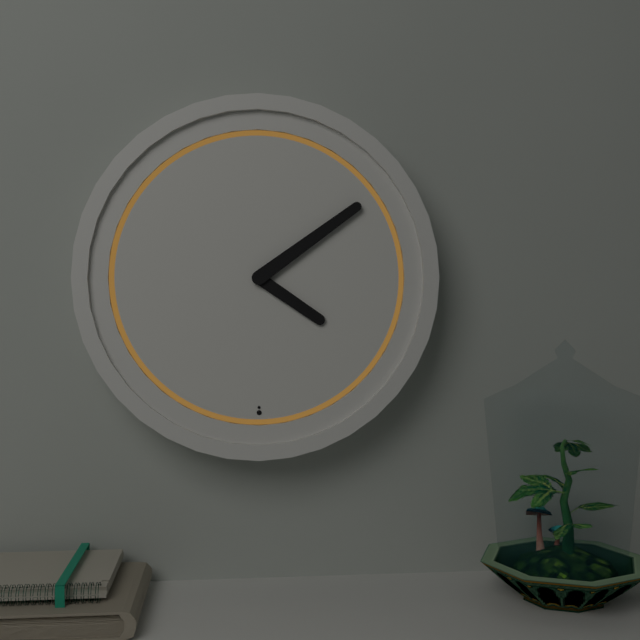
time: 4:09
